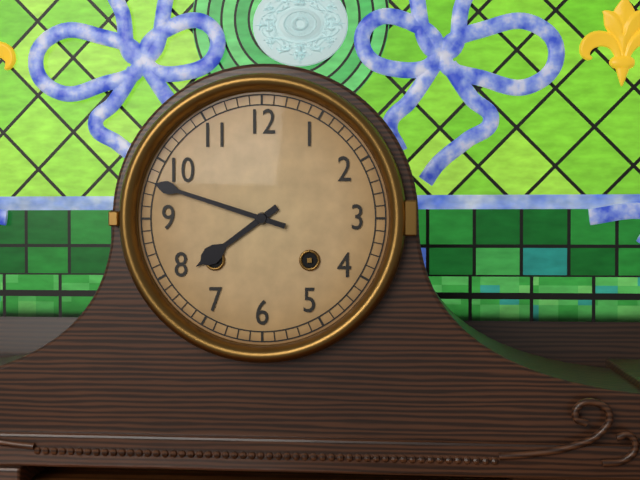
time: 7:48
